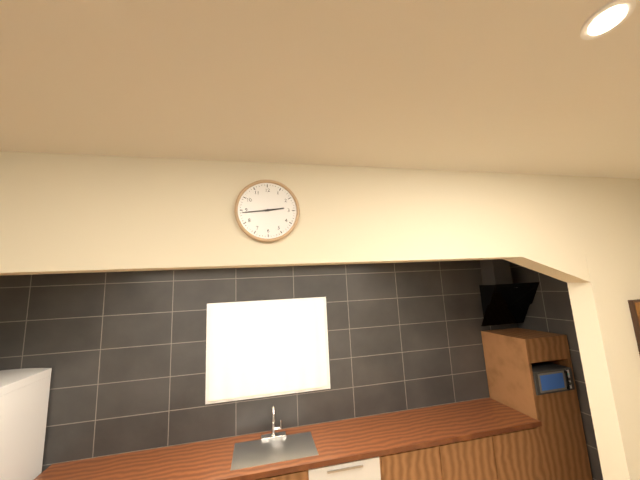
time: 2:44
